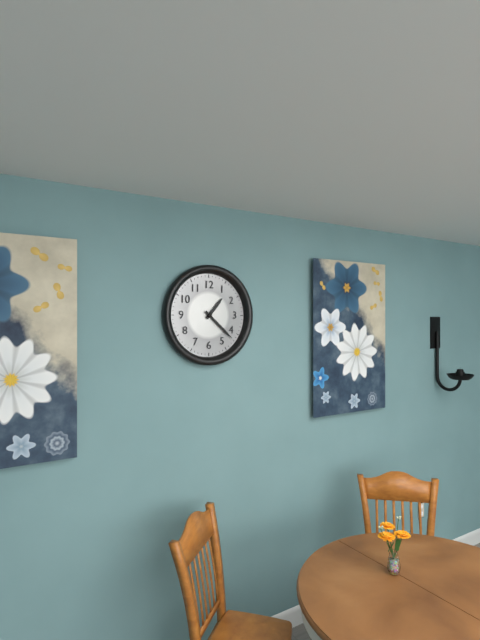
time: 1:22
